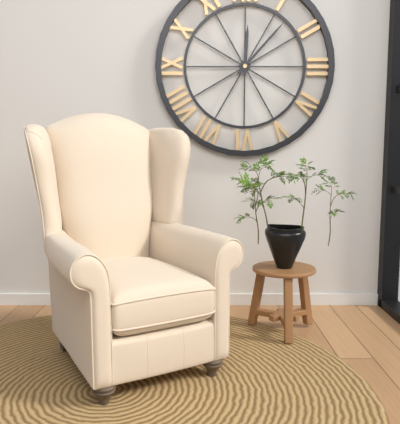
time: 12:07
